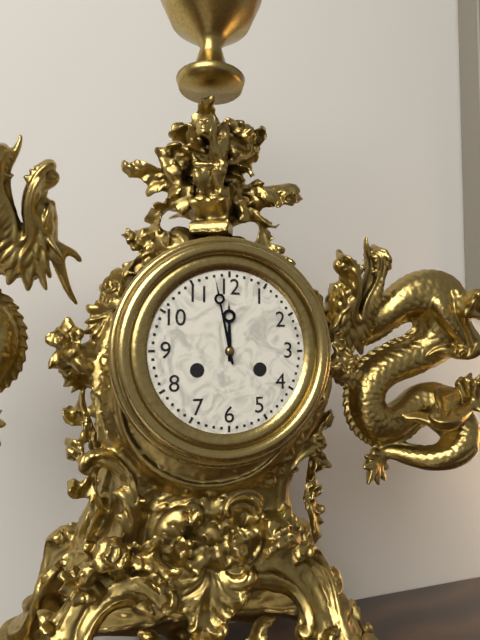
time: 11:58
